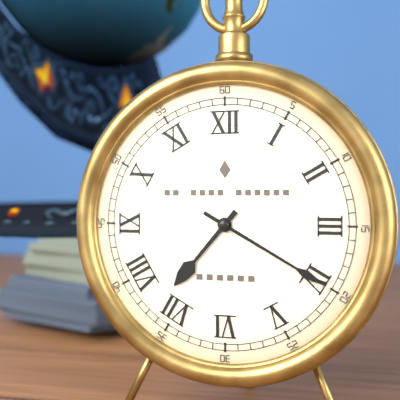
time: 7:20
